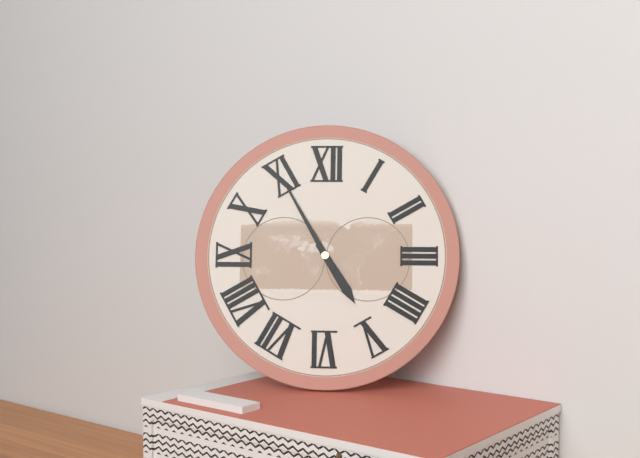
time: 4:55
